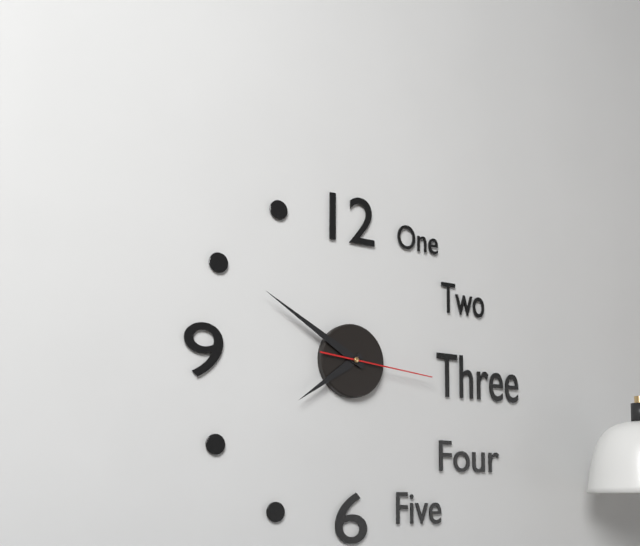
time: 7:50:16
